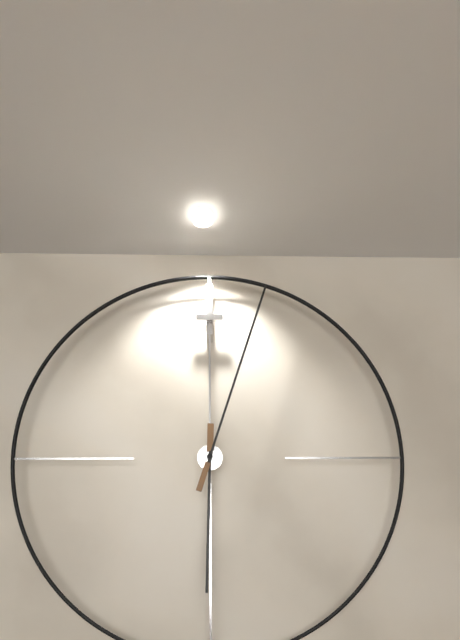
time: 6:03
